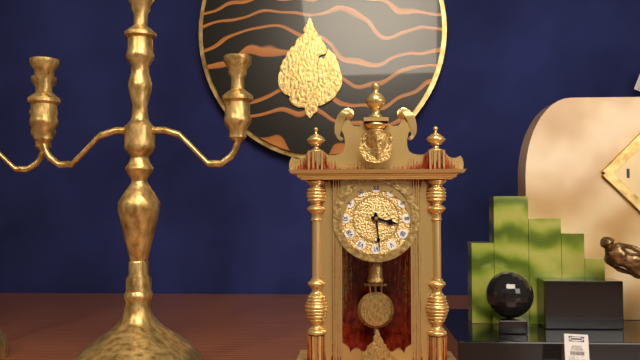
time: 3:29
